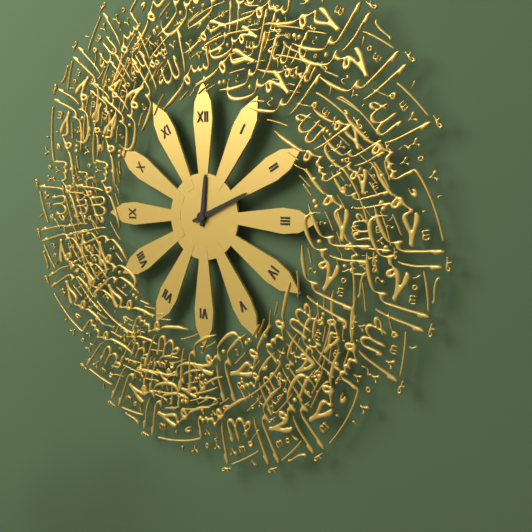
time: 12:11
